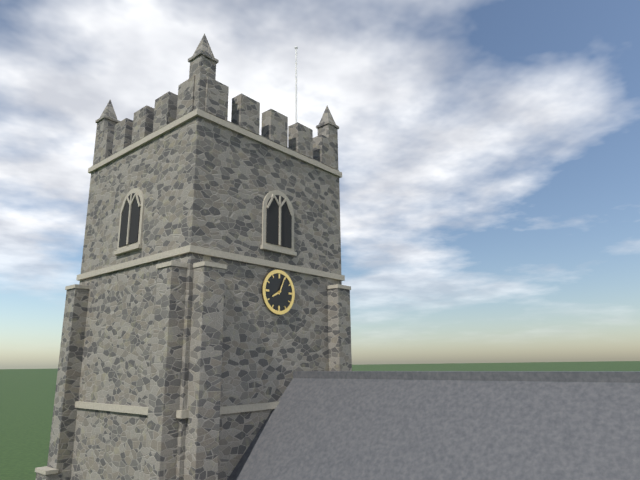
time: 8:04
